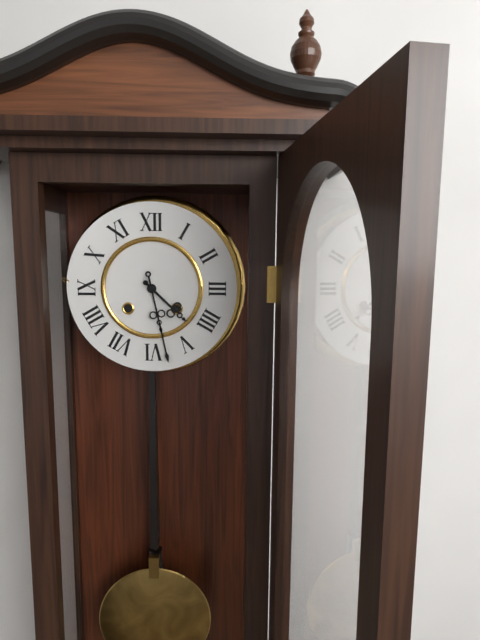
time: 4:28
